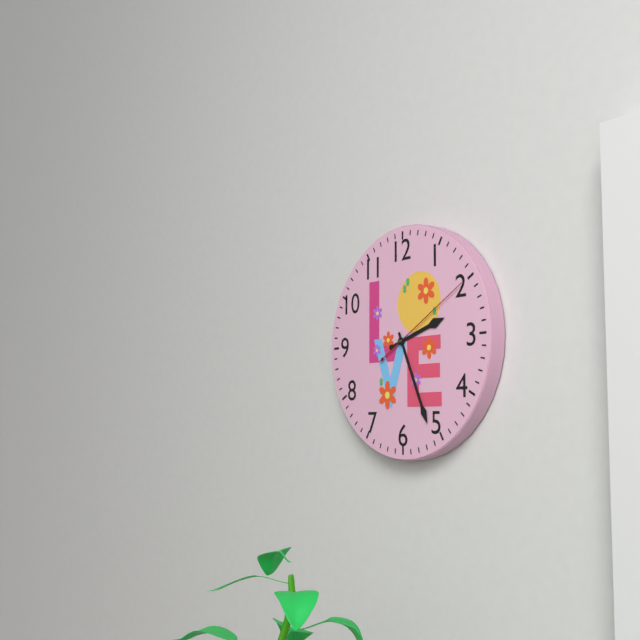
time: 2:26:10
